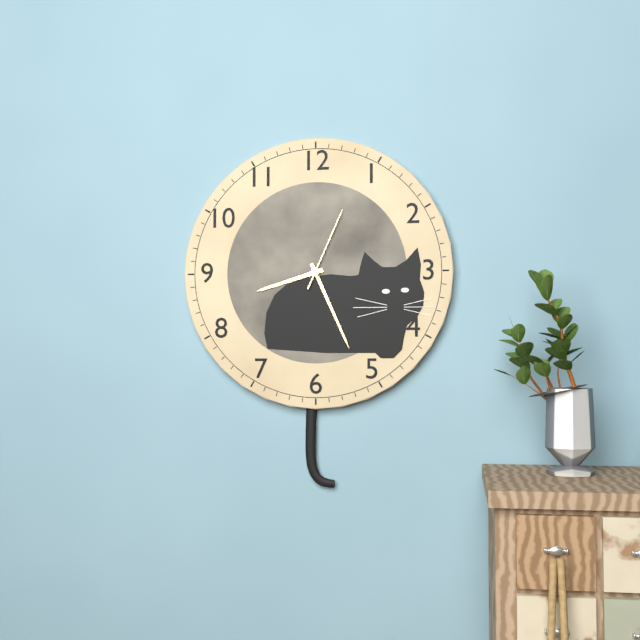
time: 8:26:04
